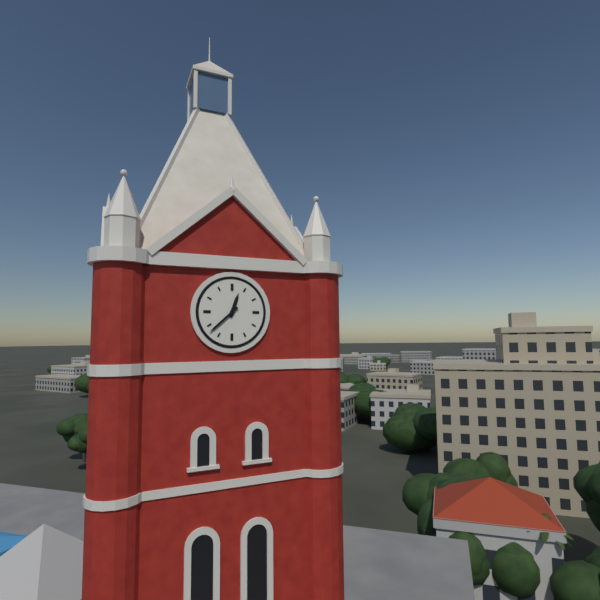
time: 12:38
